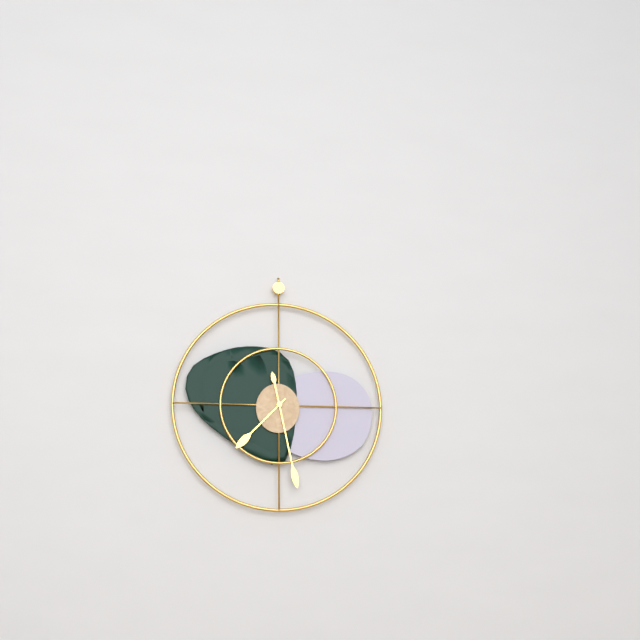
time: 7:28
